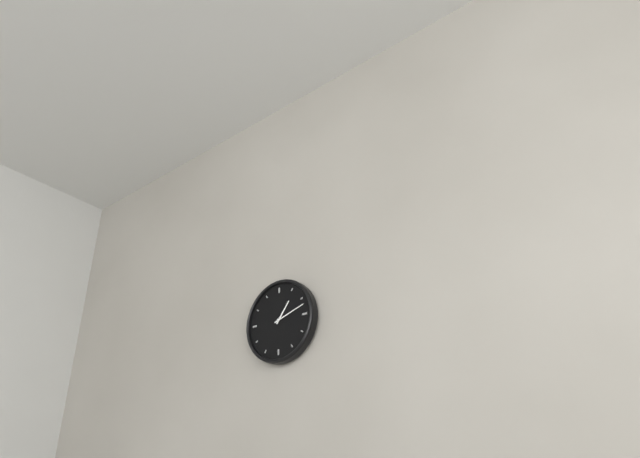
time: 1:12
